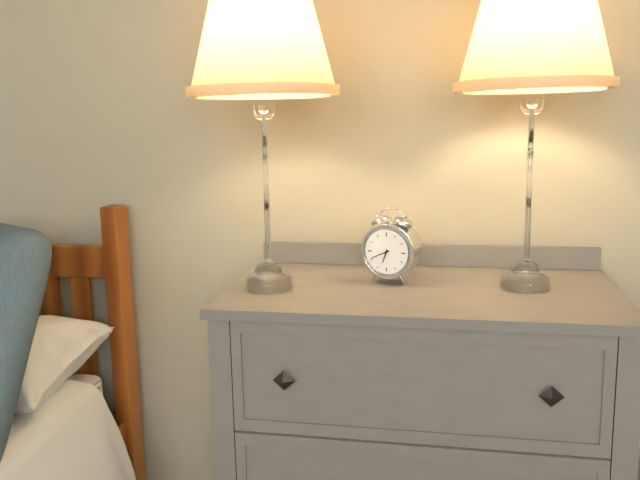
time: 6:41
